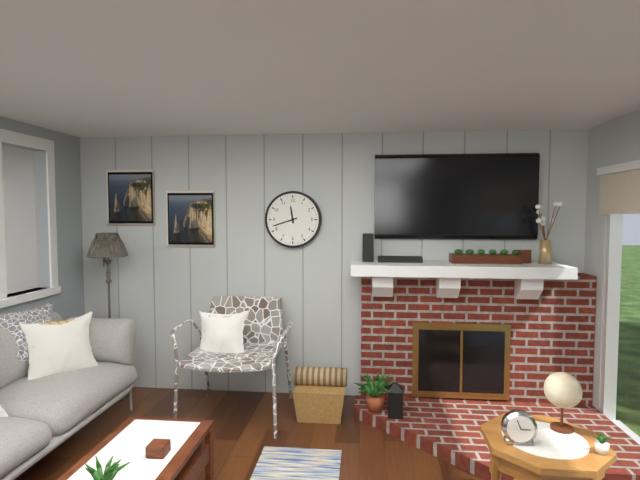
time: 11:42
